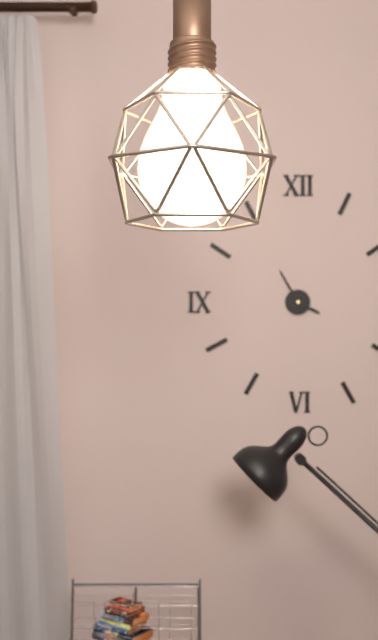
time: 3:55
